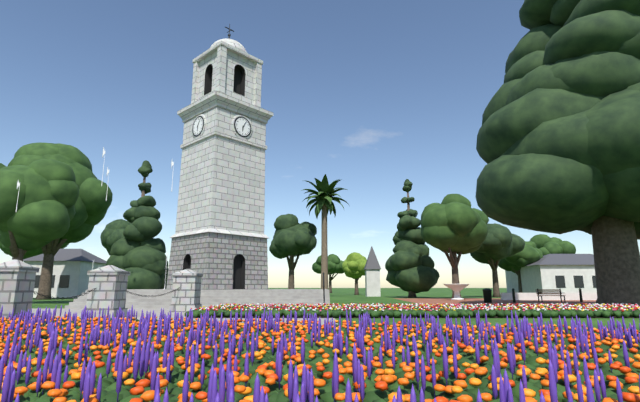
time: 6:05
